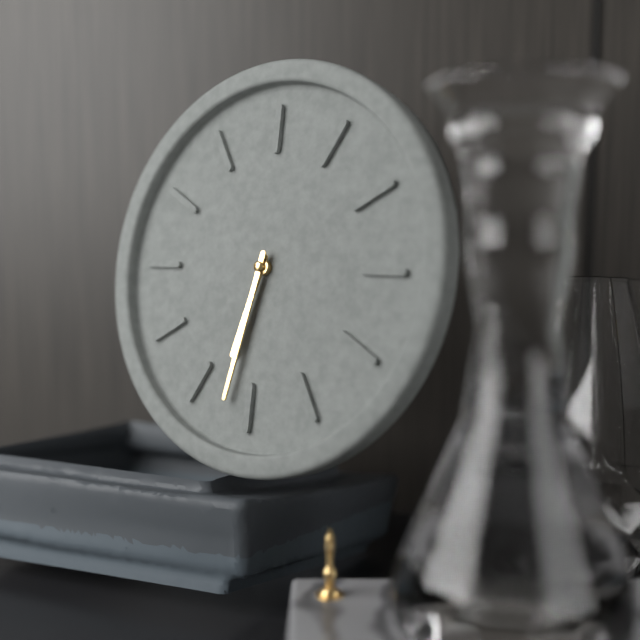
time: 6:32
